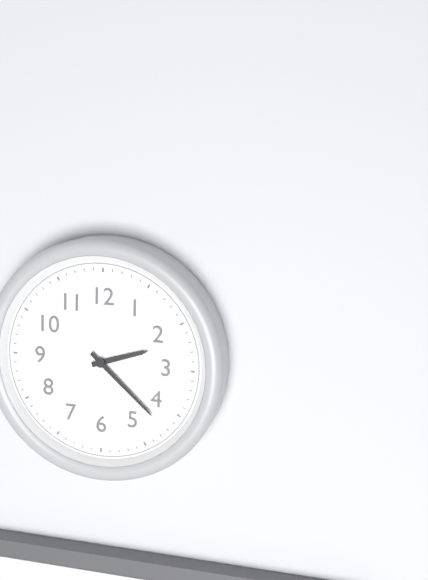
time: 2:22
